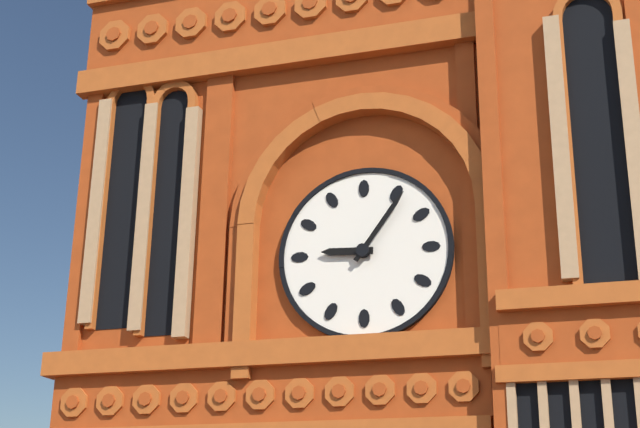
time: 9:06
